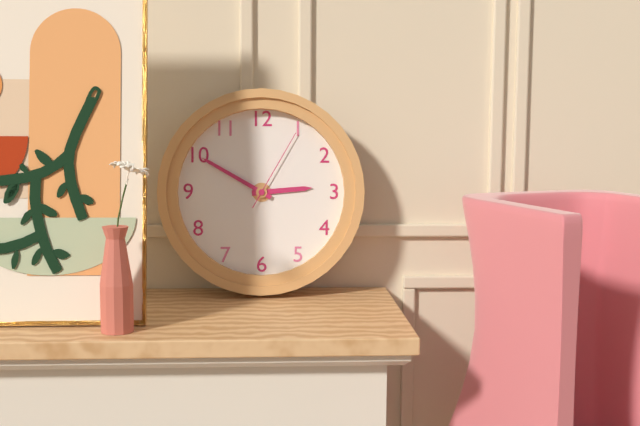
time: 2:50:05
